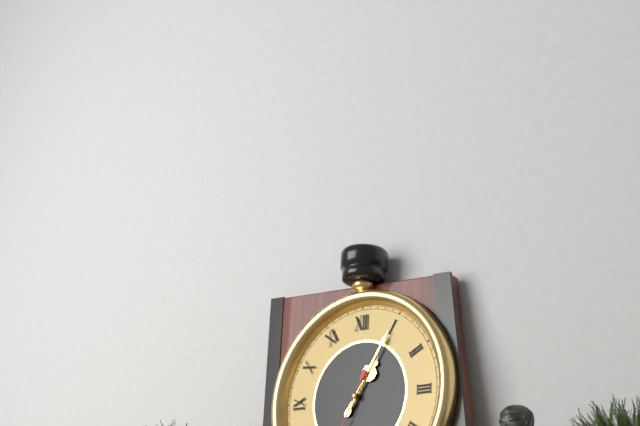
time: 1:05
